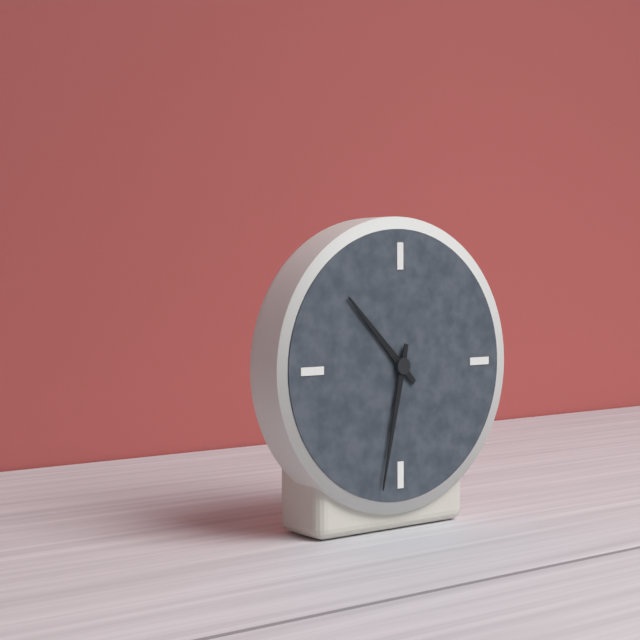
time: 10:32
